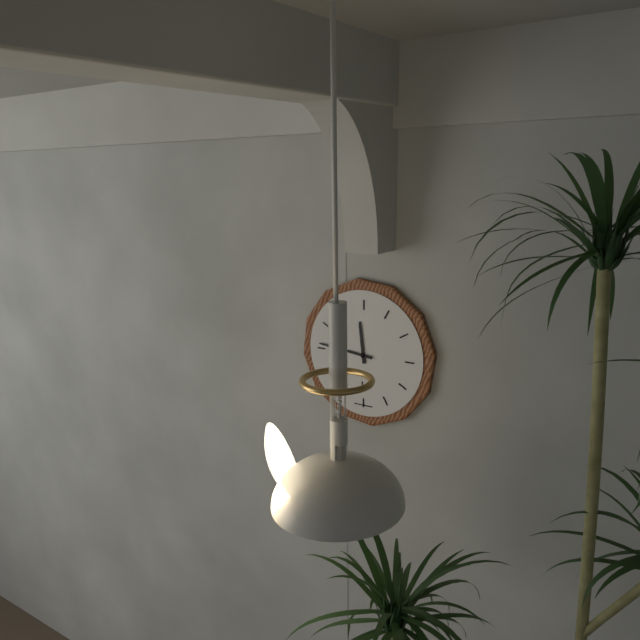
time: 11:46
